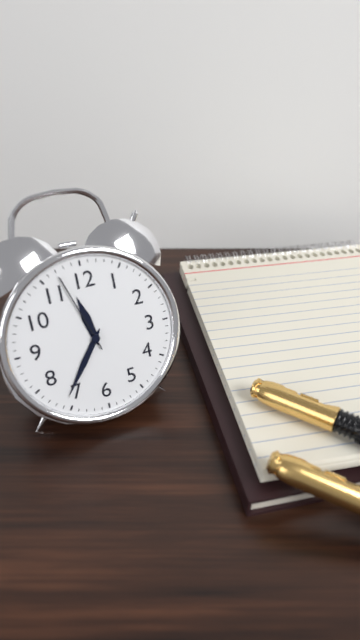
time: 11:36:57
